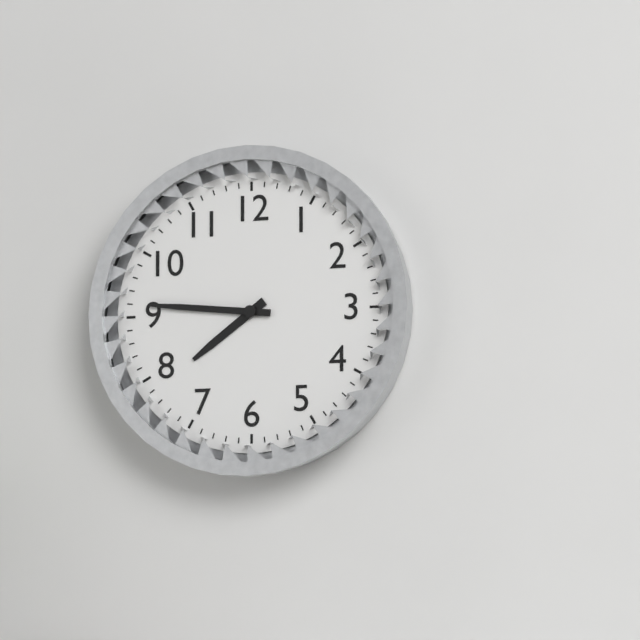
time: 7:46
